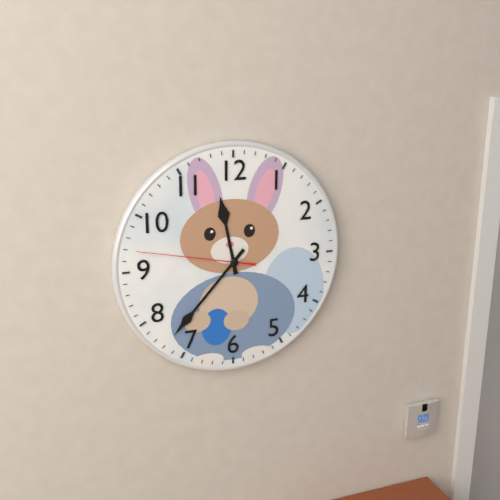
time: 11:37:47
